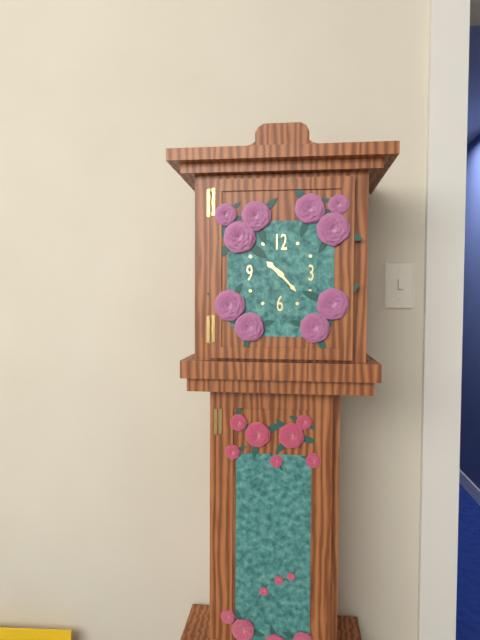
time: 10:23
